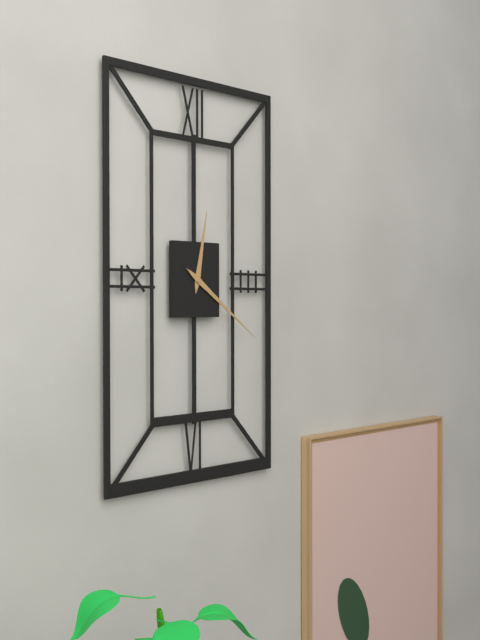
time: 12:21
